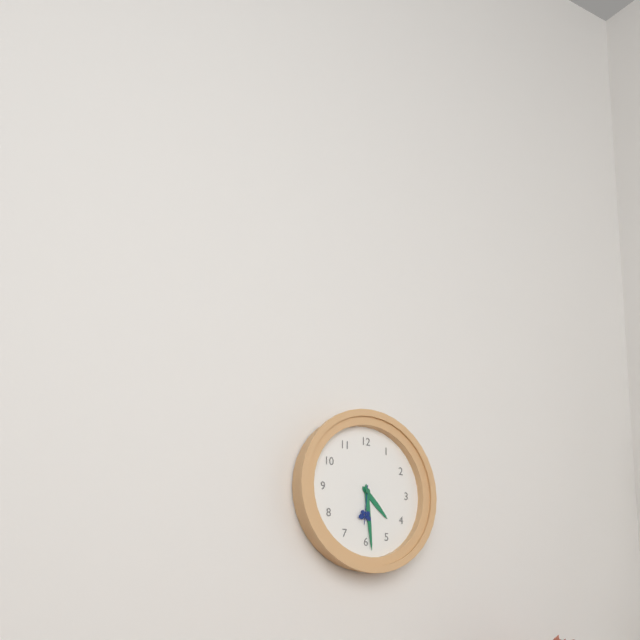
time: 4:29
